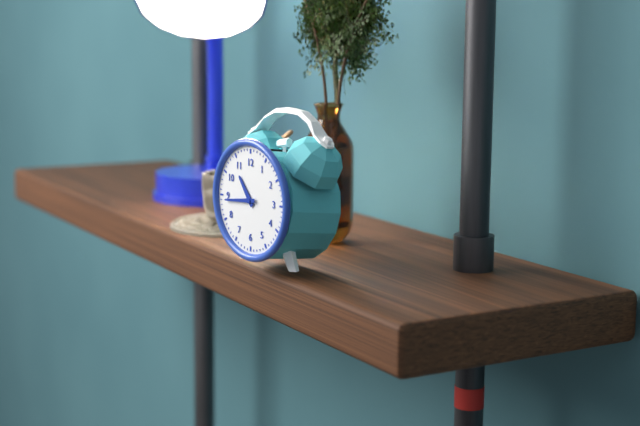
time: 10:44
